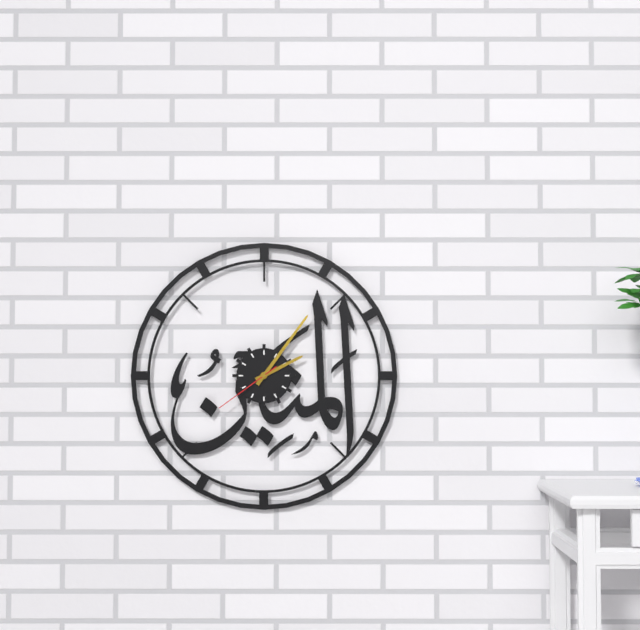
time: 2:06:39
